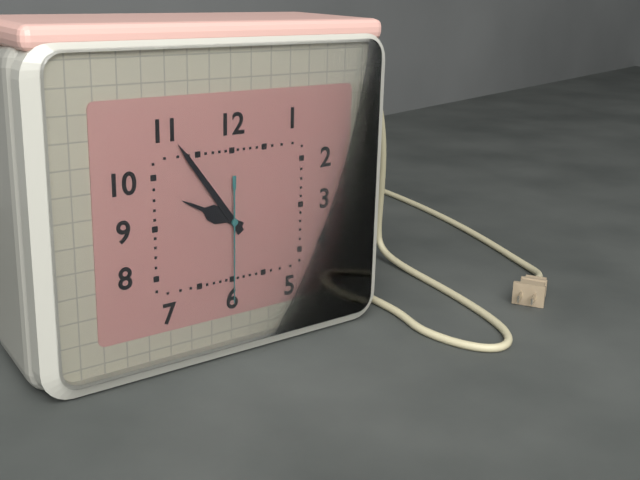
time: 9:54:30
